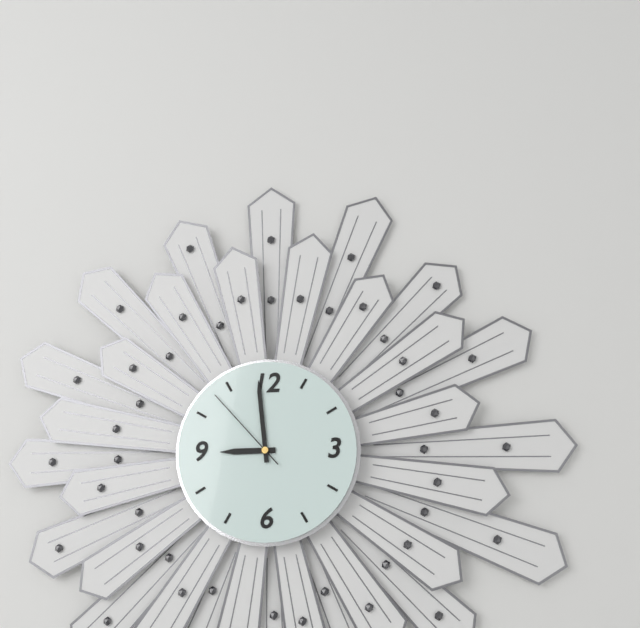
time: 8:59:53
